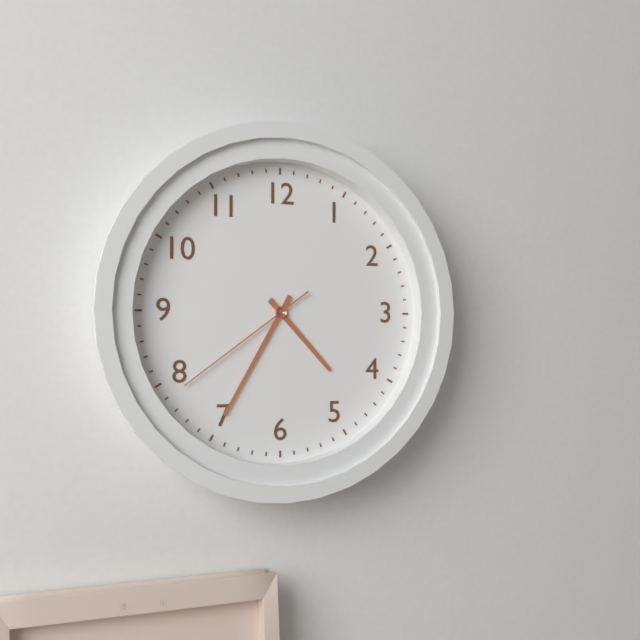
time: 4:35:39
